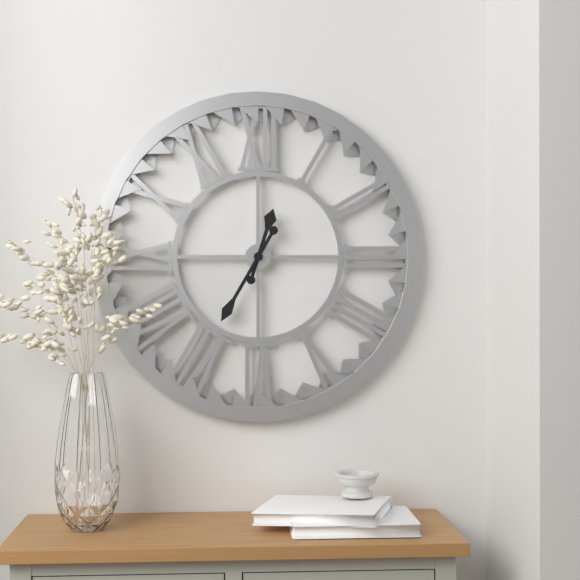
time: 12:35
